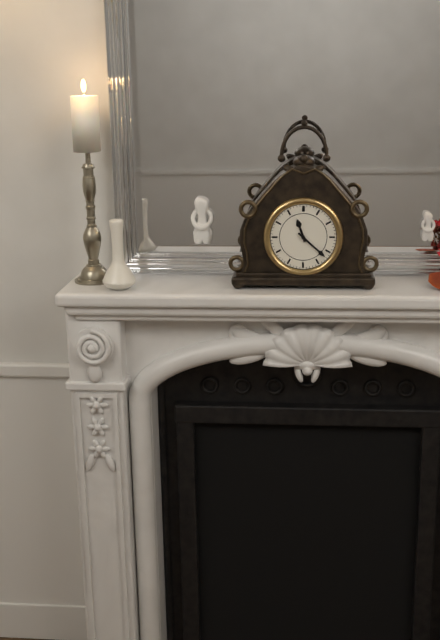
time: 11:22
